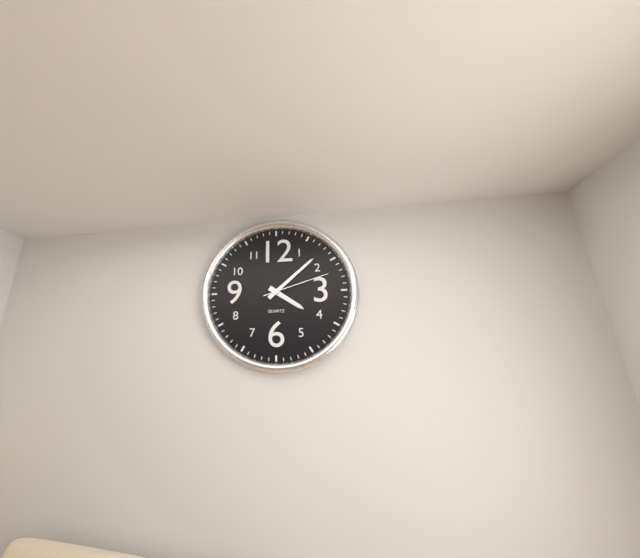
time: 4:08:12
